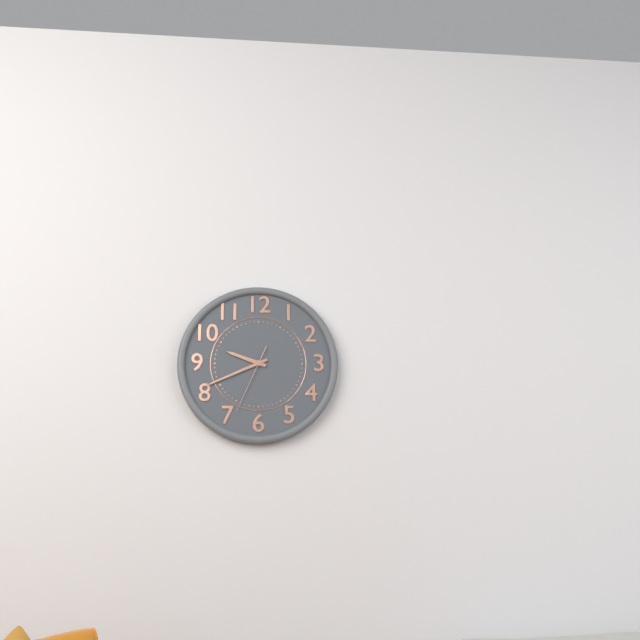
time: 9:41:34
